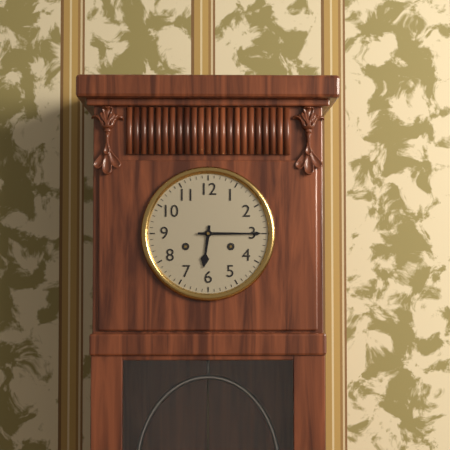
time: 6:15
